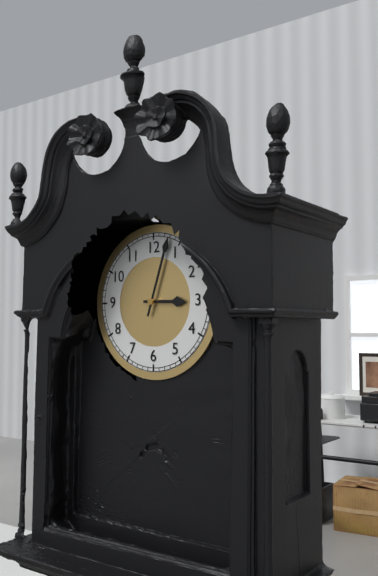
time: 3:03
